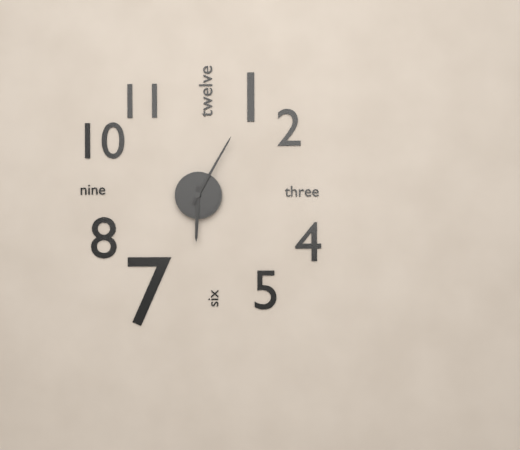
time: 6:05
